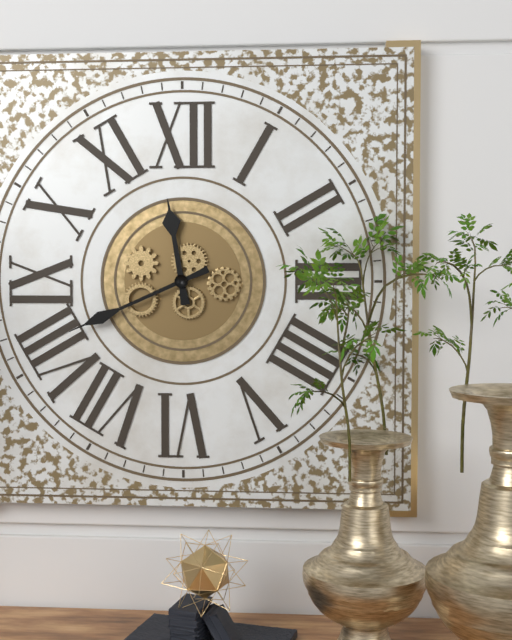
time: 11:41
